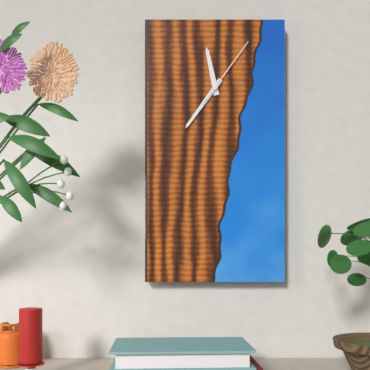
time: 11:36:06
